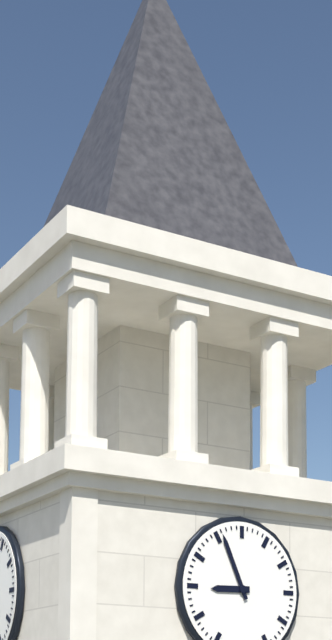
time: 8:56
